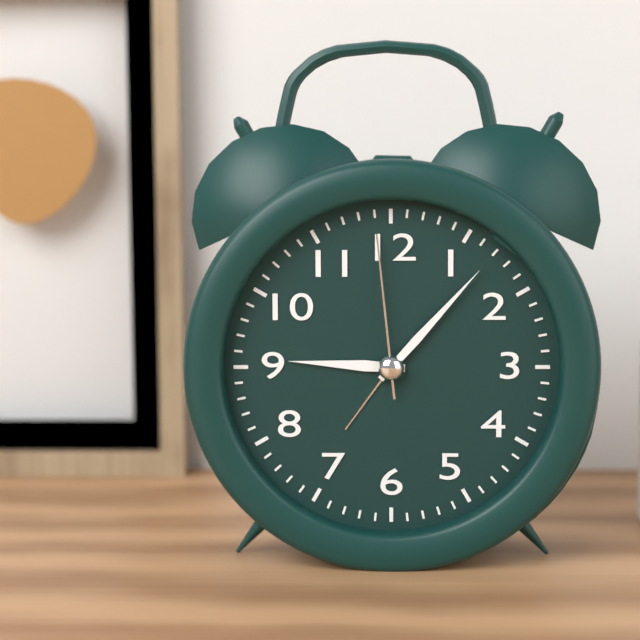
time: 9:07:59
